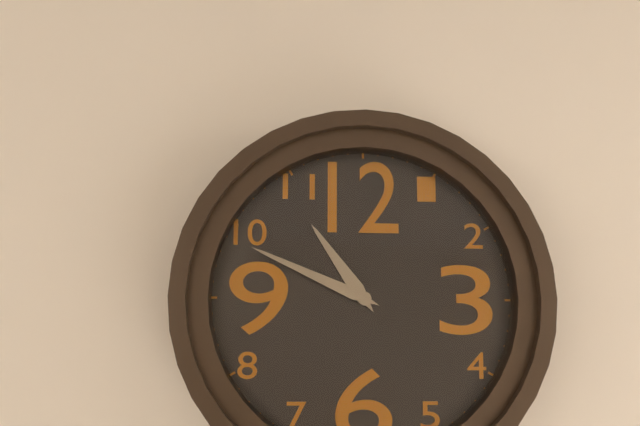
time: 10:49
